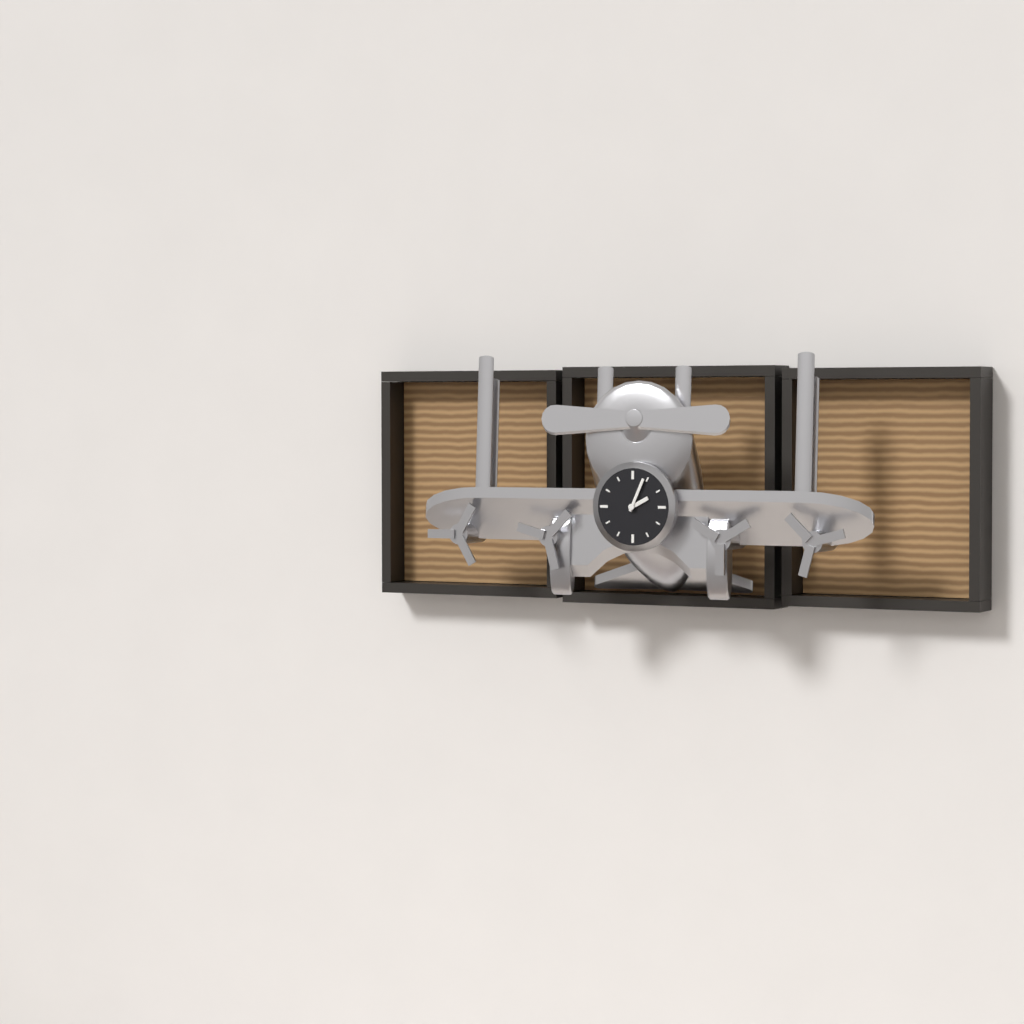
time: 2:04
